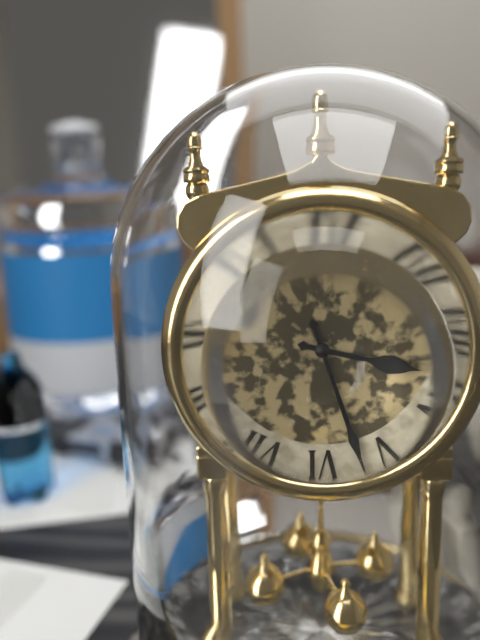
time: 3:27
